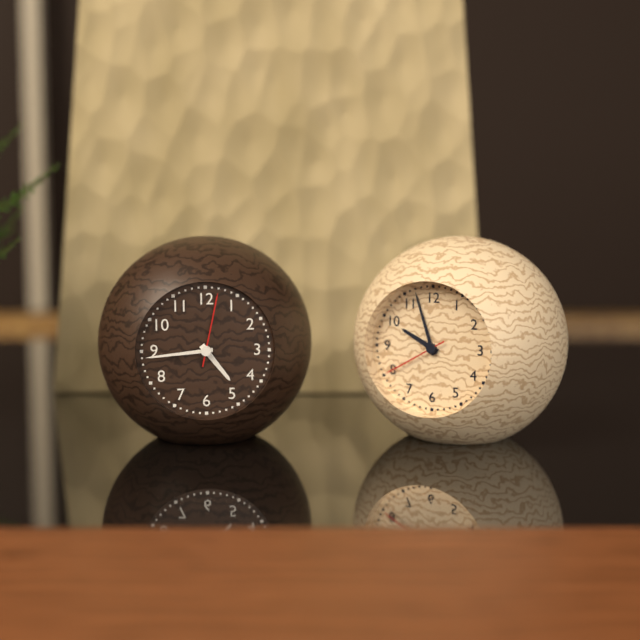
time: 4:44:02
